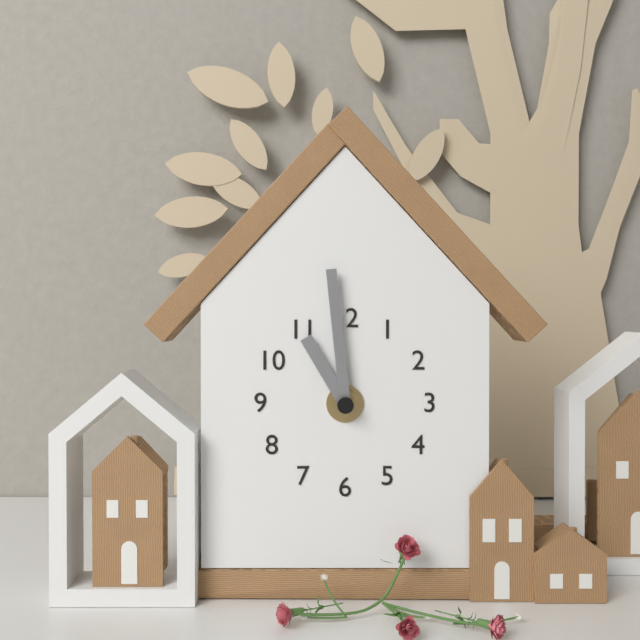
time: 10:59
